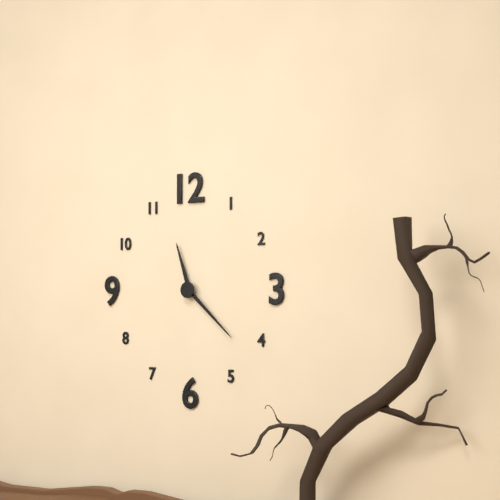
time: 11:22
